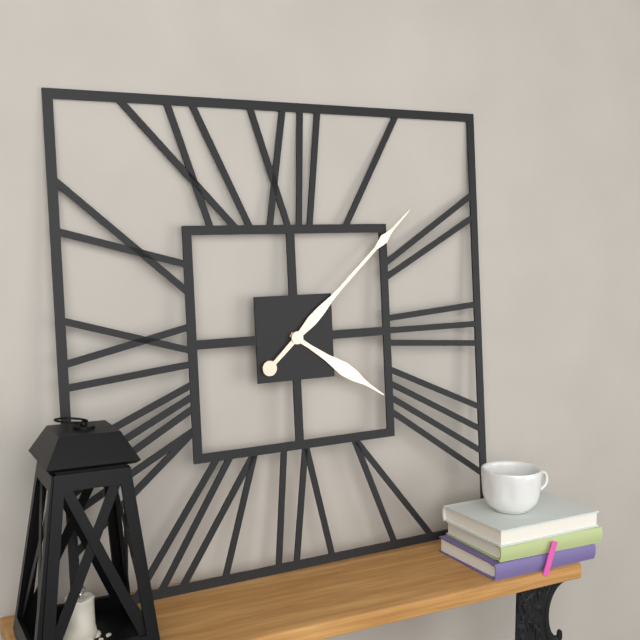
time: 4:08
